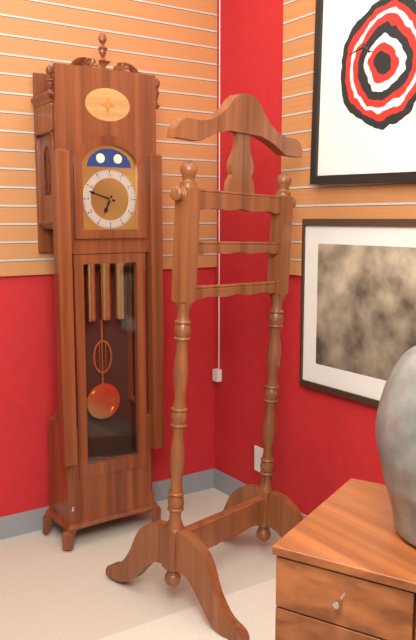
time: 6:48
